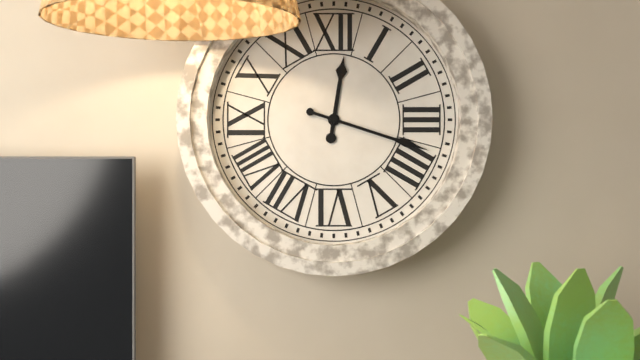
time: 12:18
